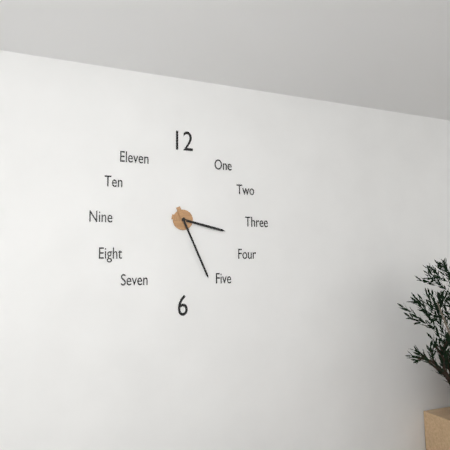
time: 3:26
